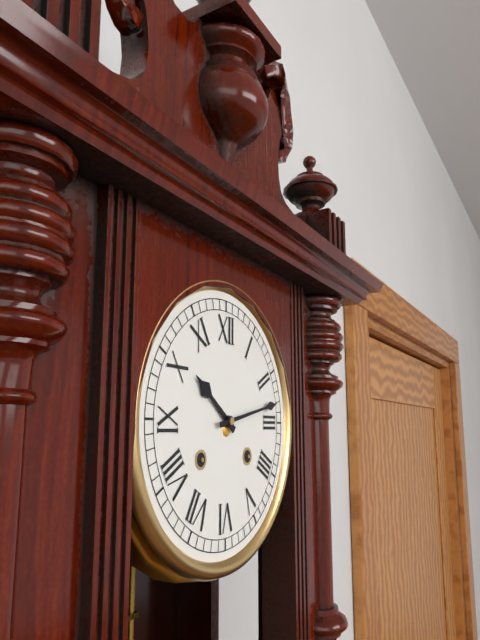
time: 10:13
